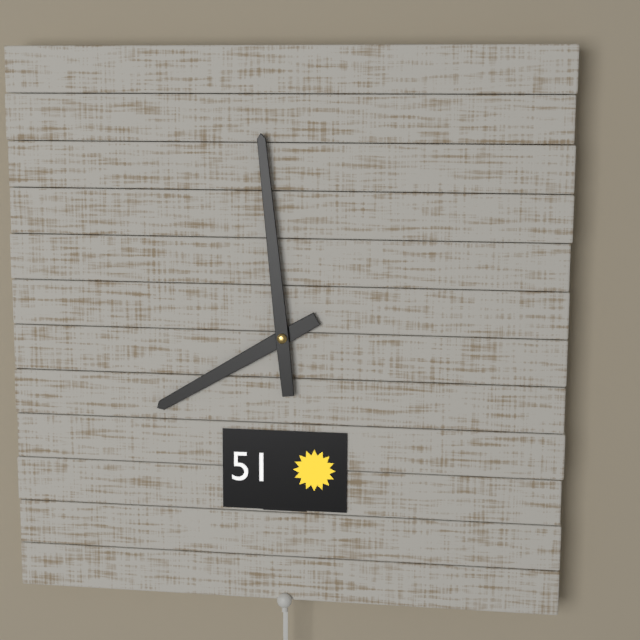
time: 7:59
